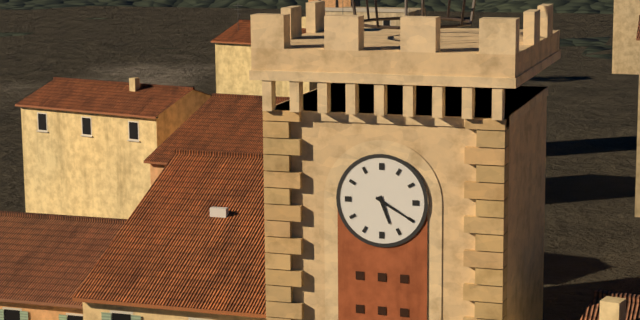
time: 5:20
